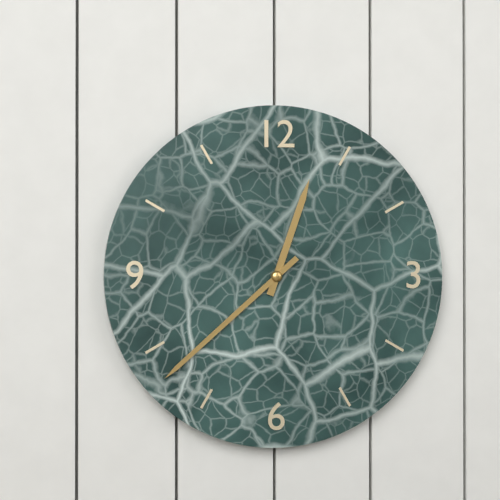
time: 12:38
